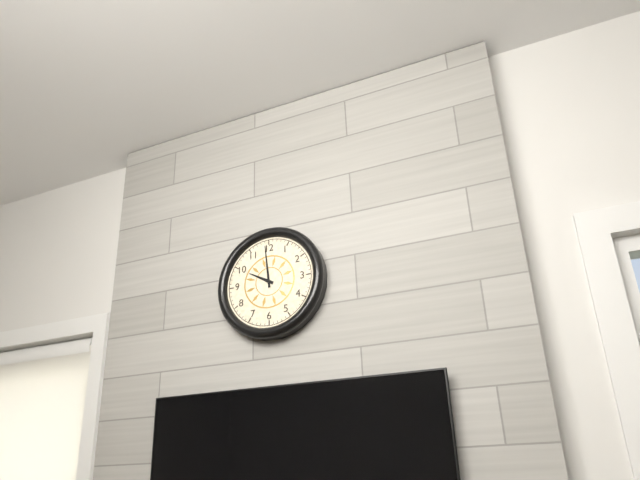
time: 9:59
